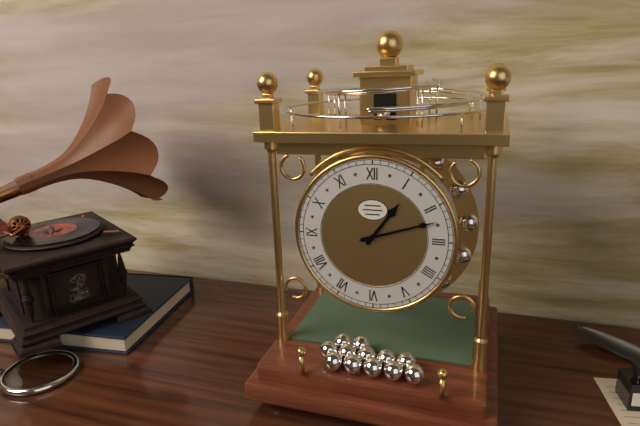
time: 1:12
